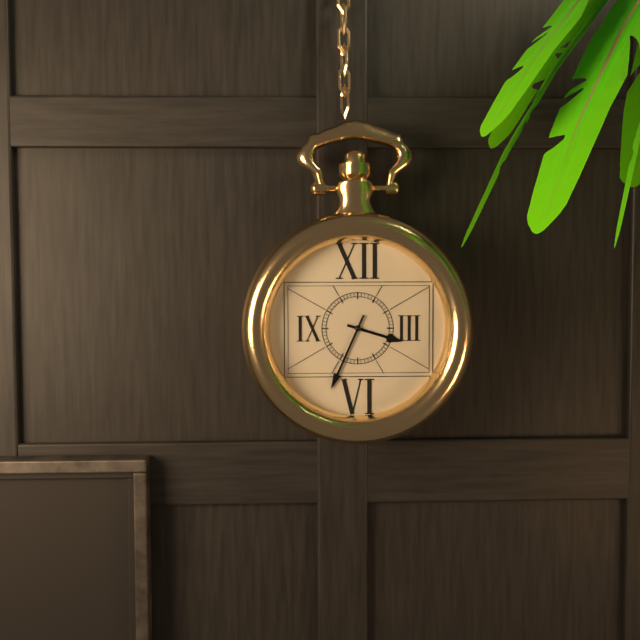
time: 3:34
